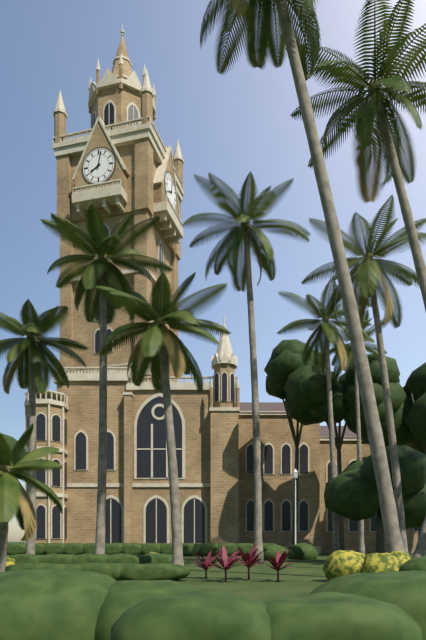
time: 8:02
